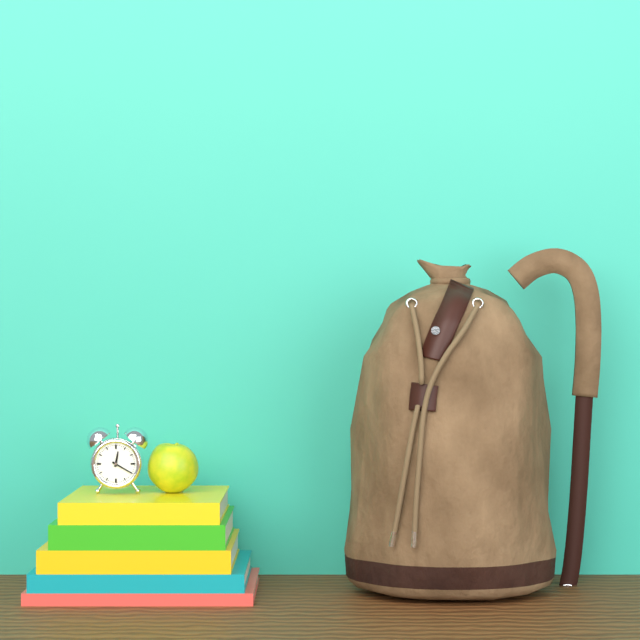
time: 12:20
